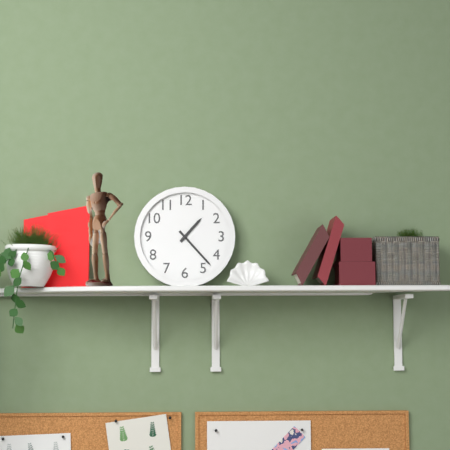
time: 1:23
